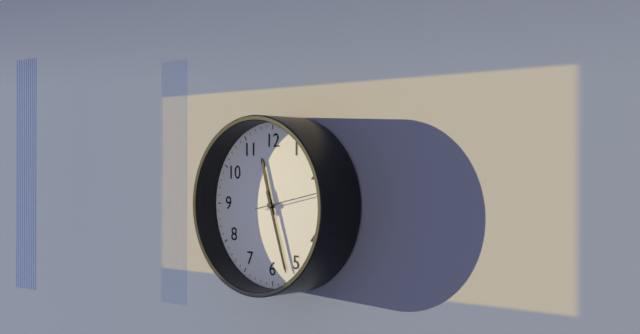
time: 11:27:13
